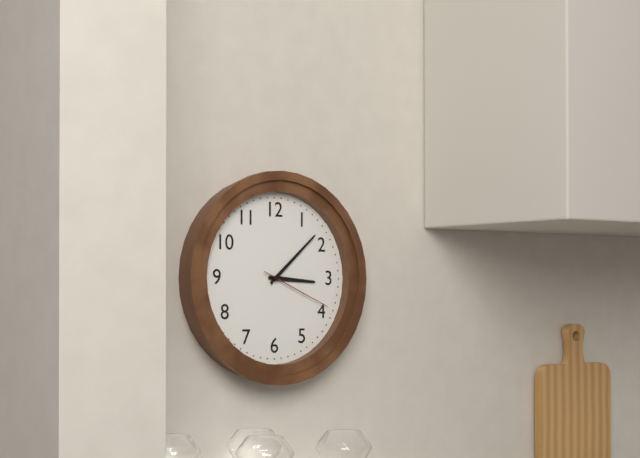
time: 3:08:19
